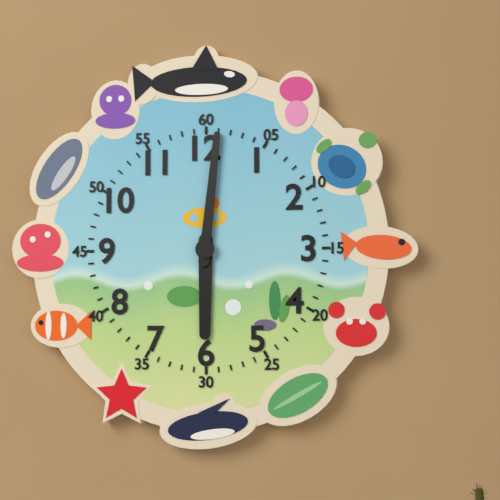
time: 6:01
